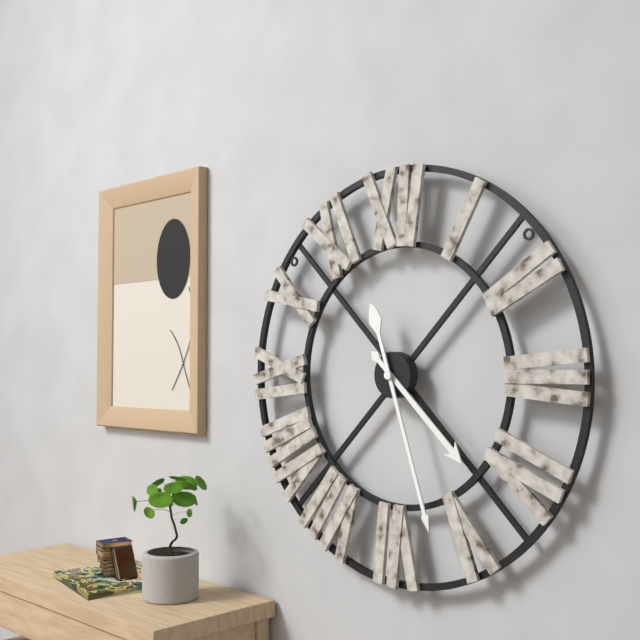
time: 4:27
